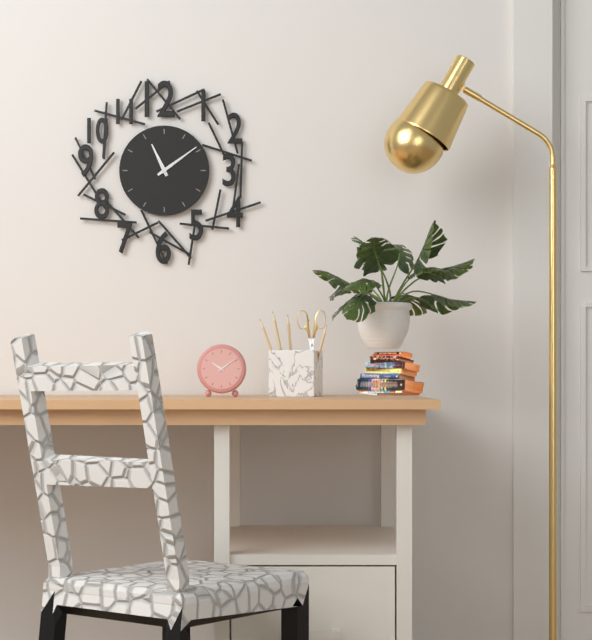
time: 11:09
